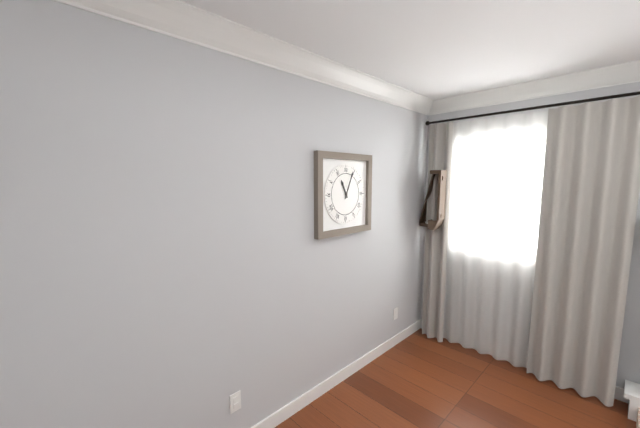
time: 11:04
